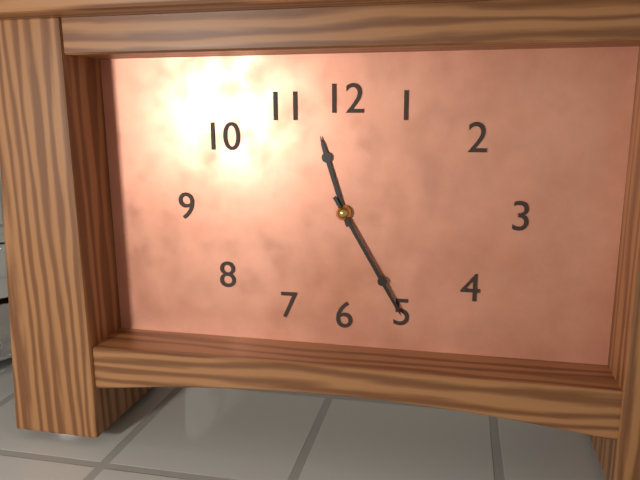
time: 11:25
